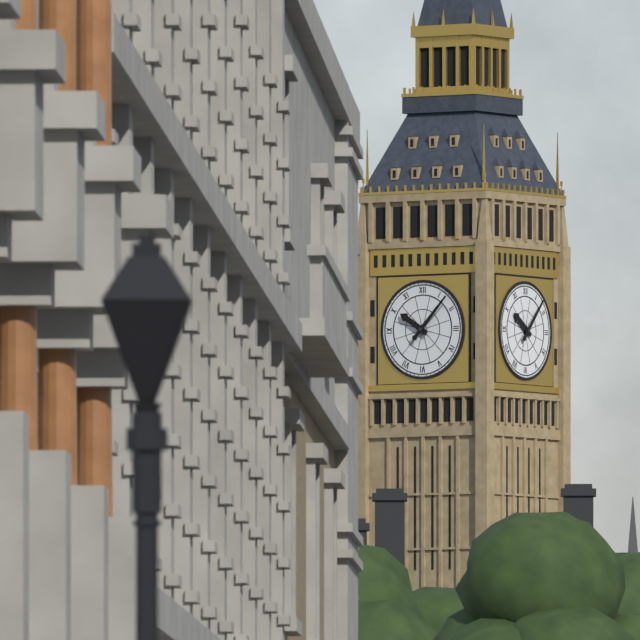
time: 10:07
